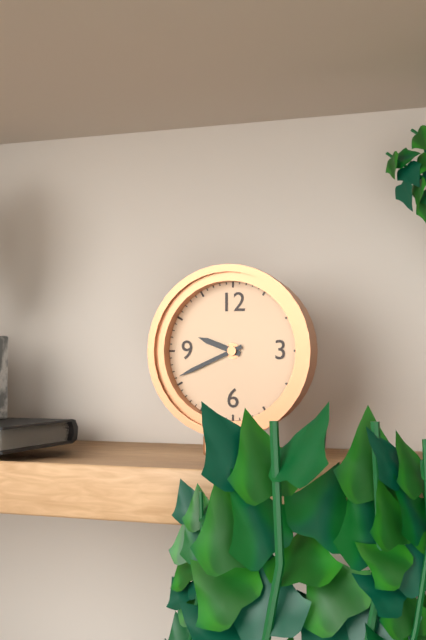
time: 9:41
